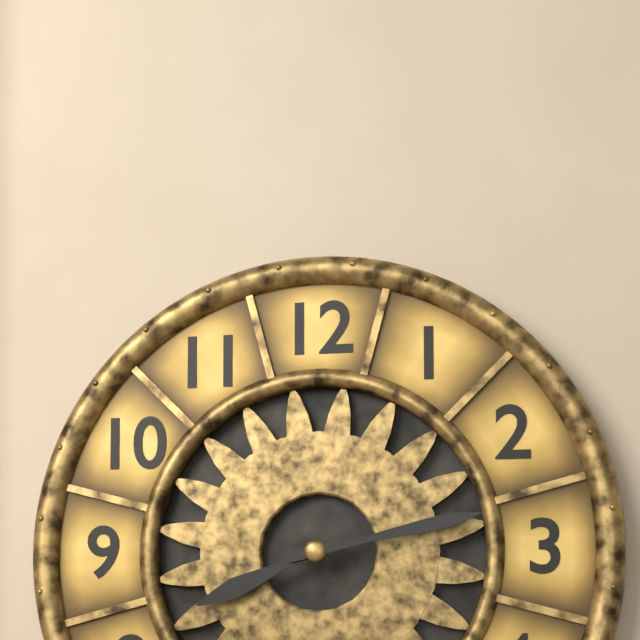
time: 8:13
